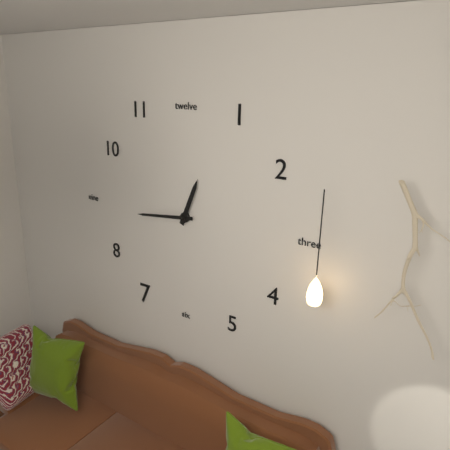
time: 12:44
